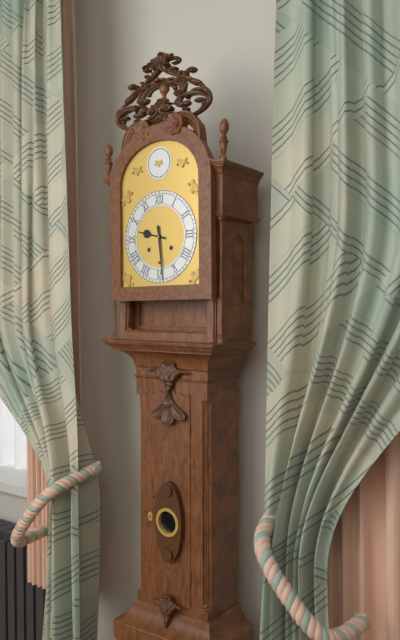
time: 9:29
